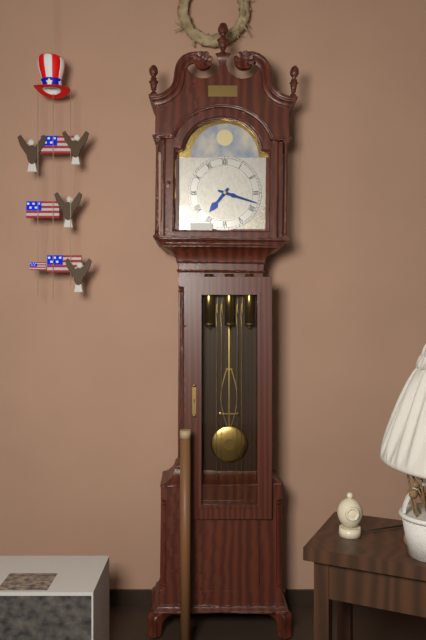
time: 7:18
